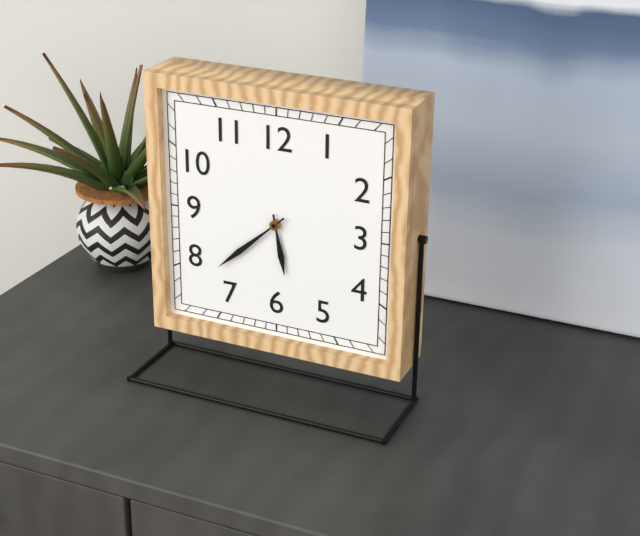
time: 5:38
